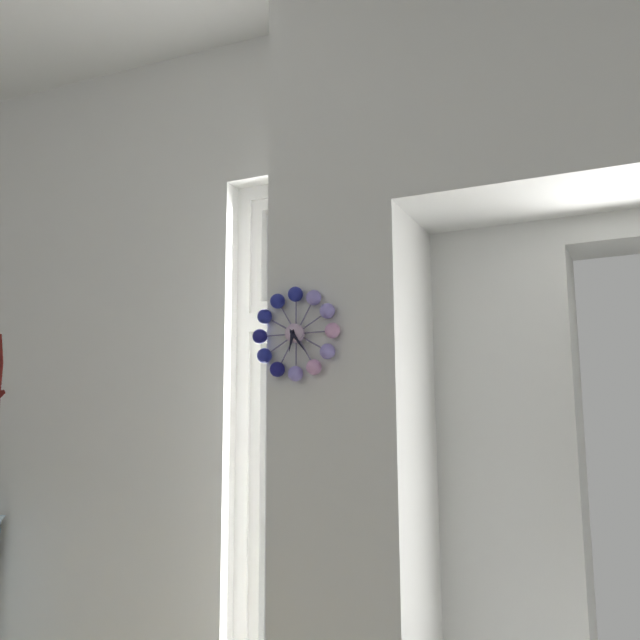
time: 6:24
